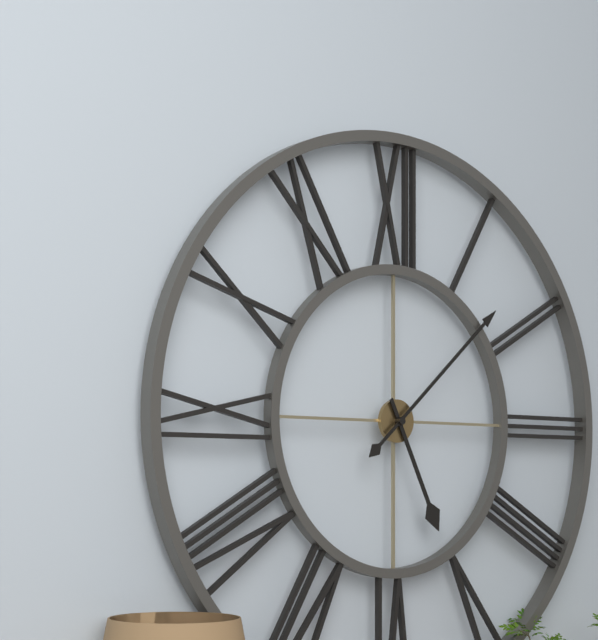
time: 5:08
